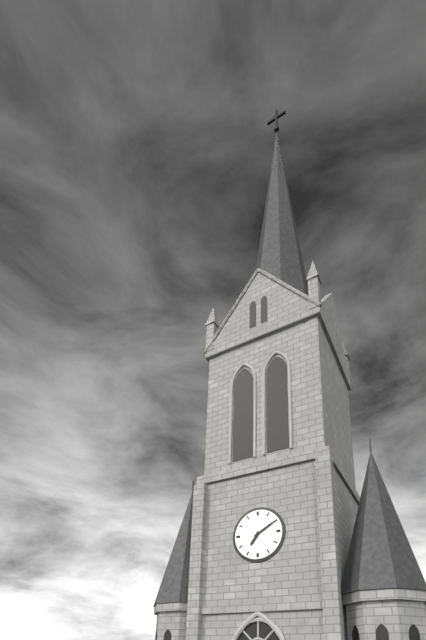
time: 7:10
